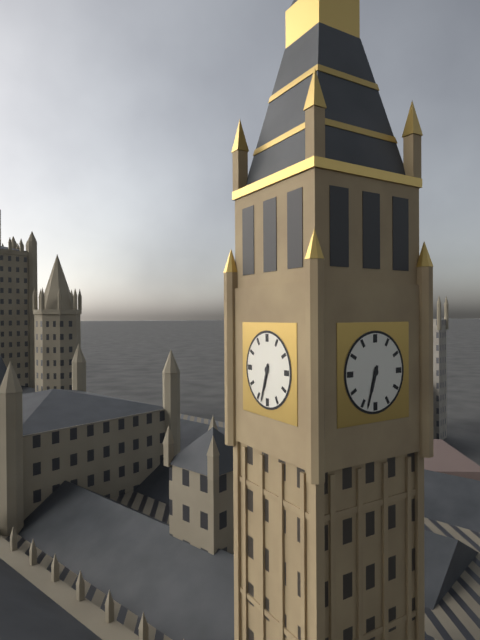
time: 6:33
